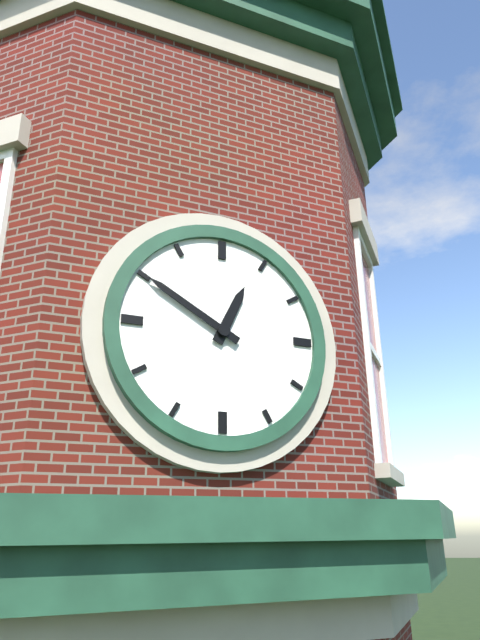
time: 12:50
